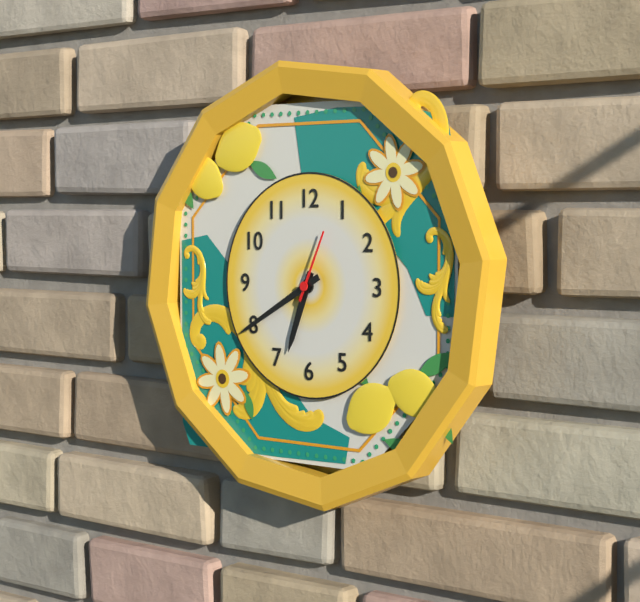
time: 6:40:04
